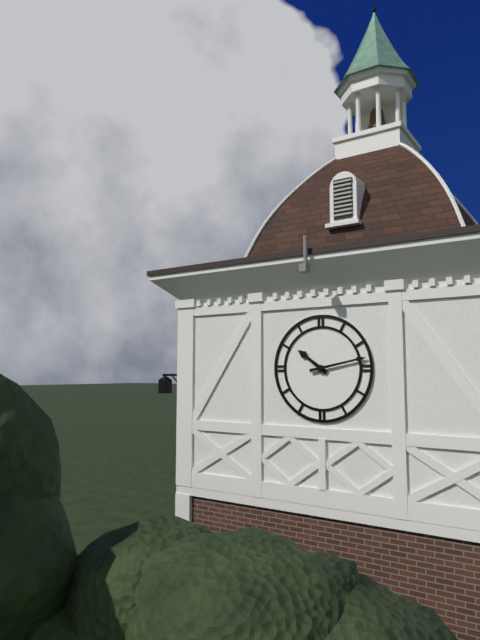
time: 10:13
